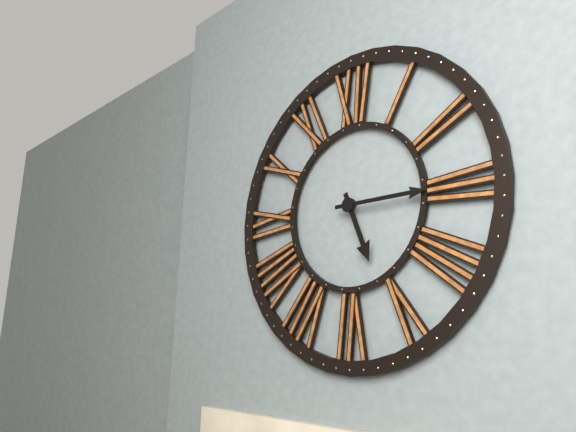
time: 5:15
